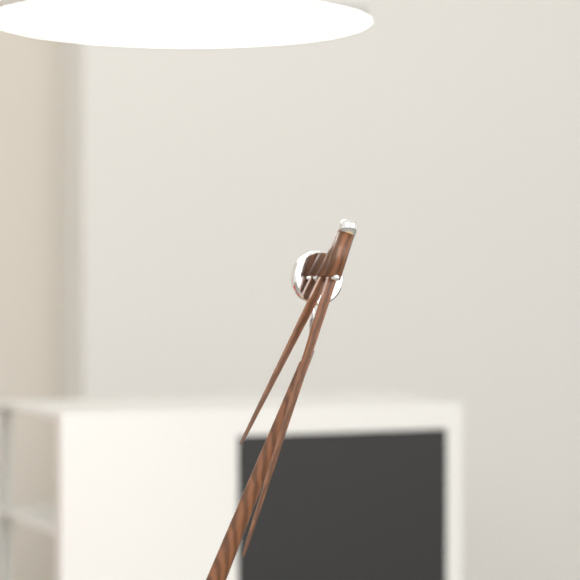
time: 6:31
